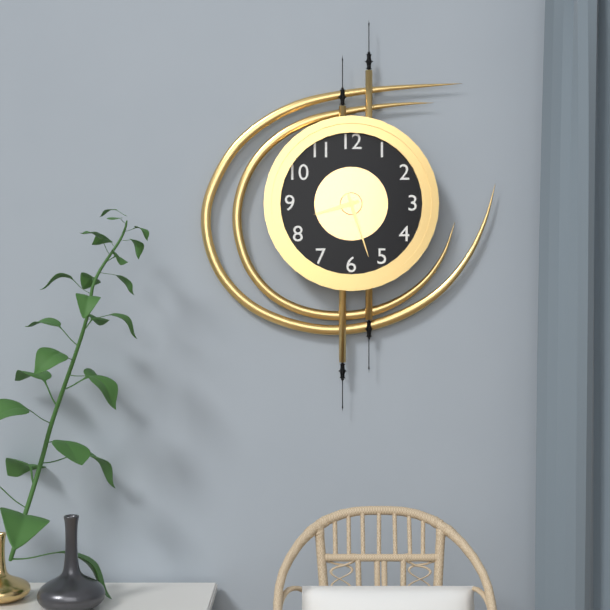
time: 8:27
